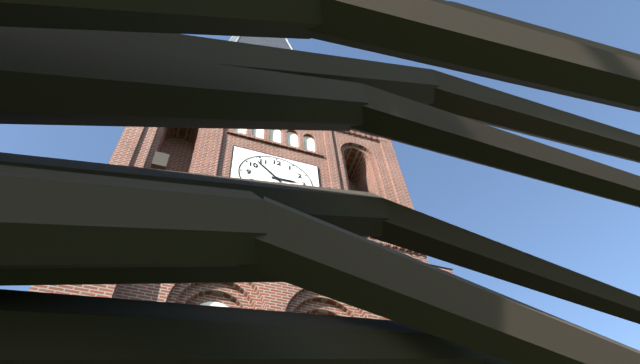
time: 2:53
